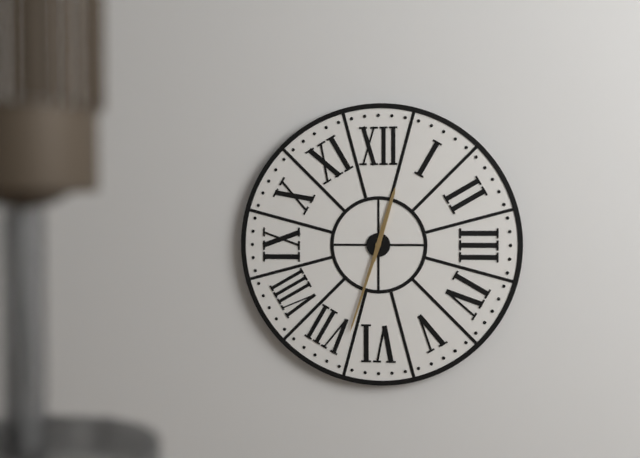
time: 12:33
